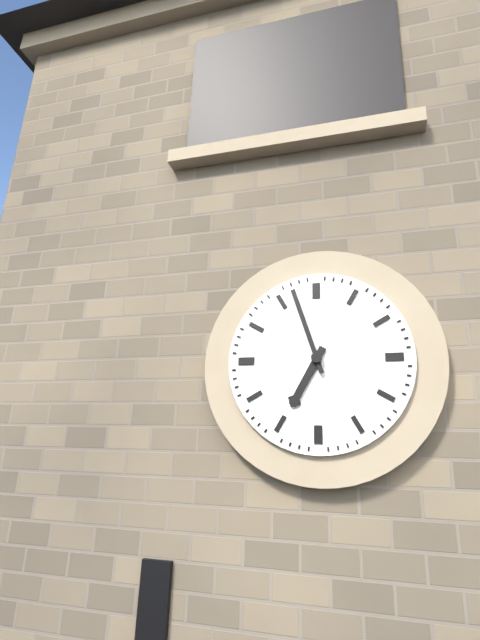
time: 6:57
